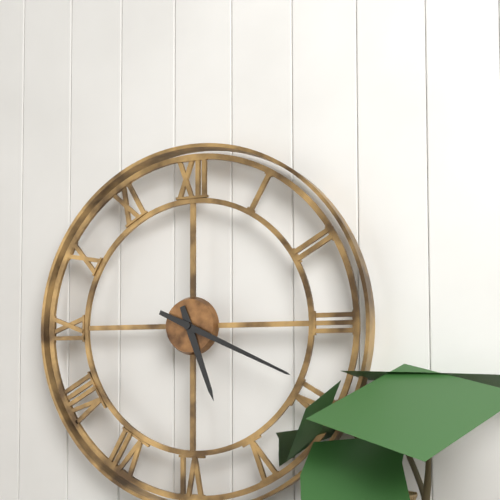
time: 5:19
